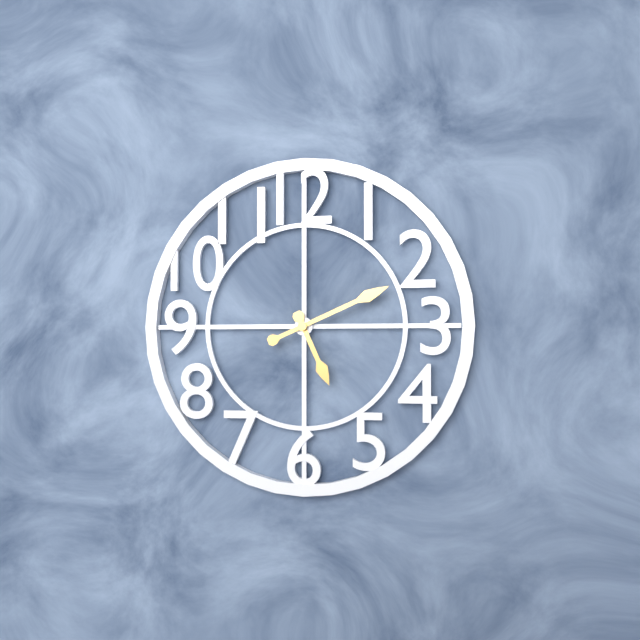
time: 5:11
